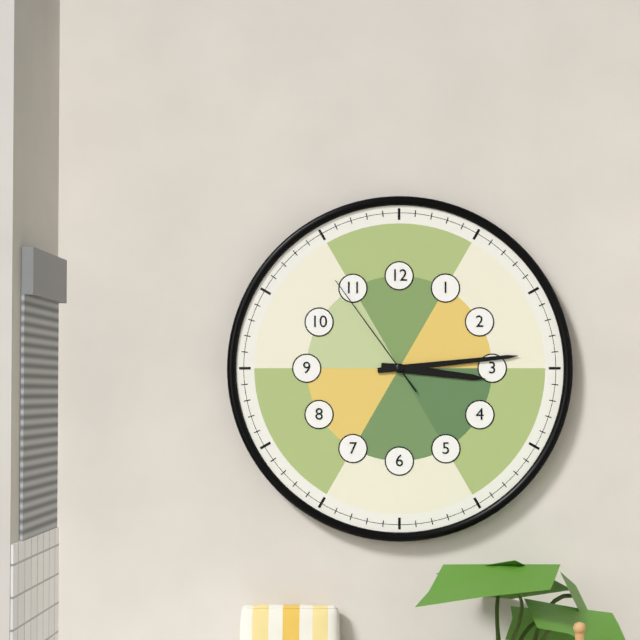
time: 3:14:54
